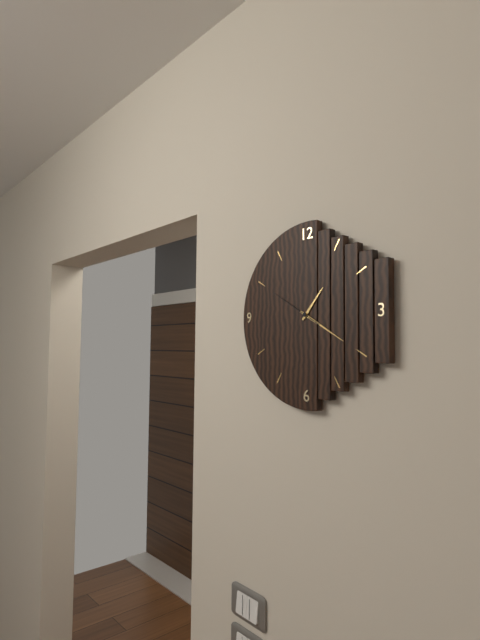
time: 1:20
